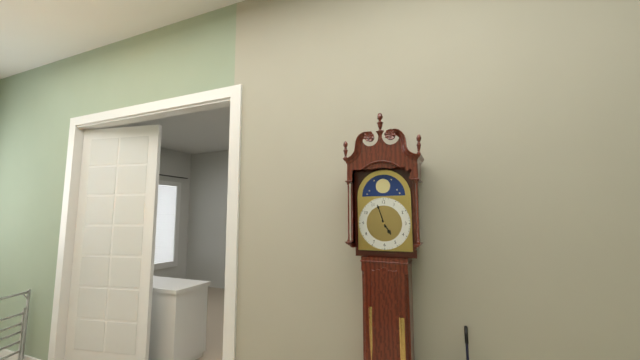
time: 4:57
